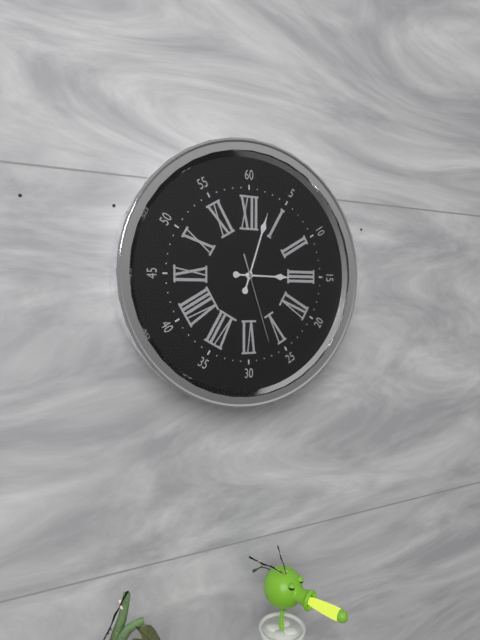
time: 3:03:27
